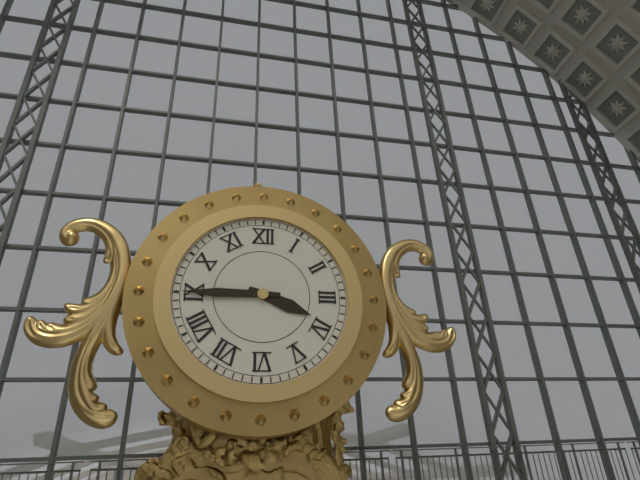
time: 3:45
